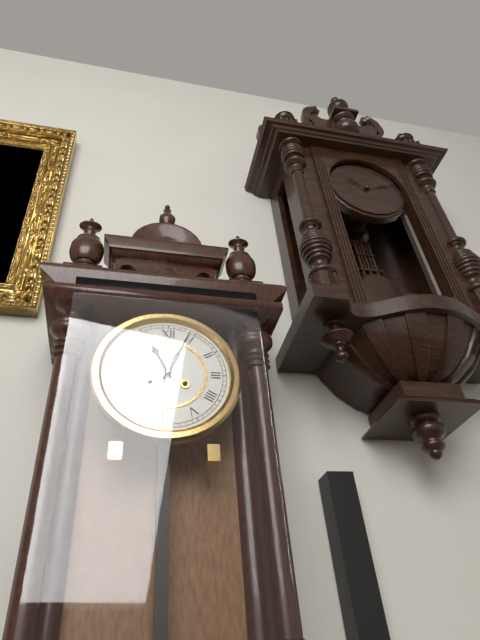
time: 11:04
